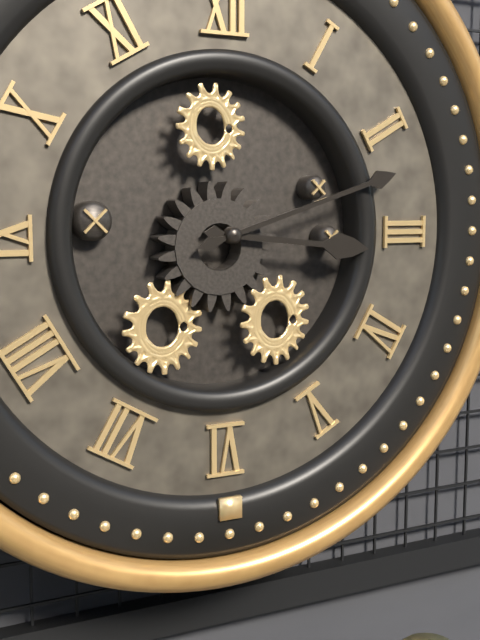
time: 3:12
